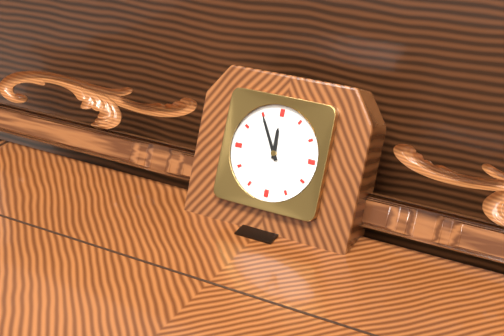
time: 11:55
